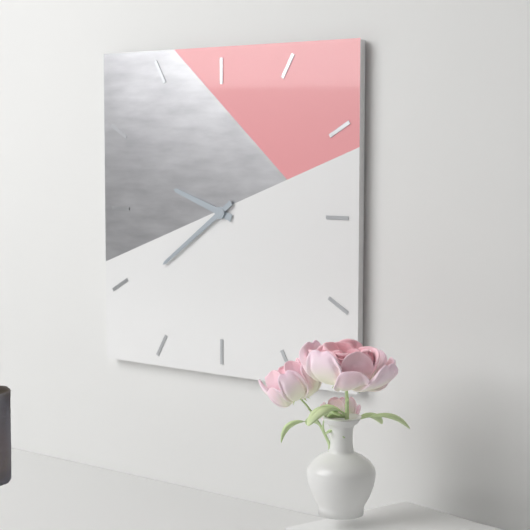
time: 9:39
